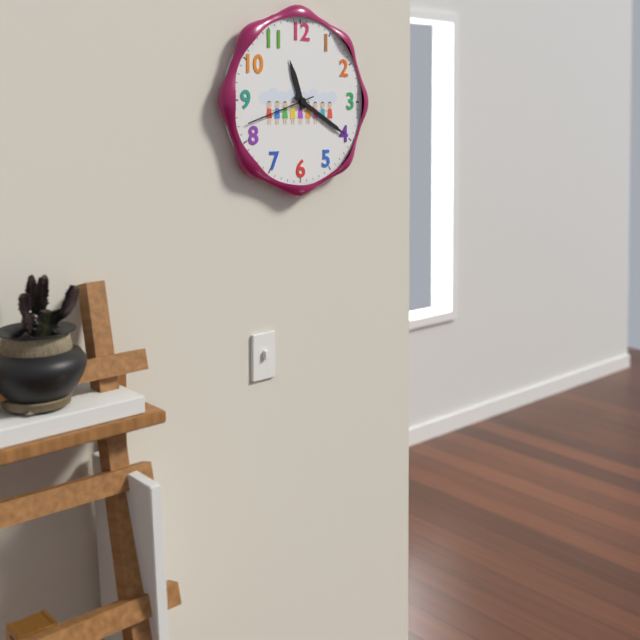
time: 11:20:42
